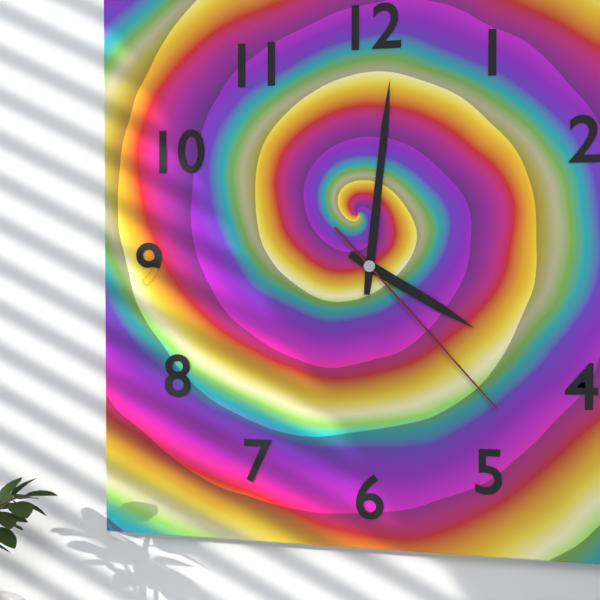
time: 4:01:23
